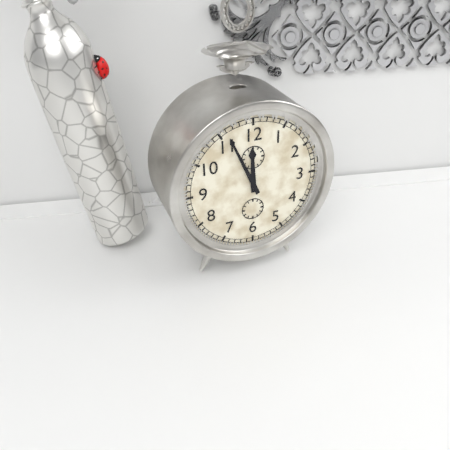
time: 11:56
